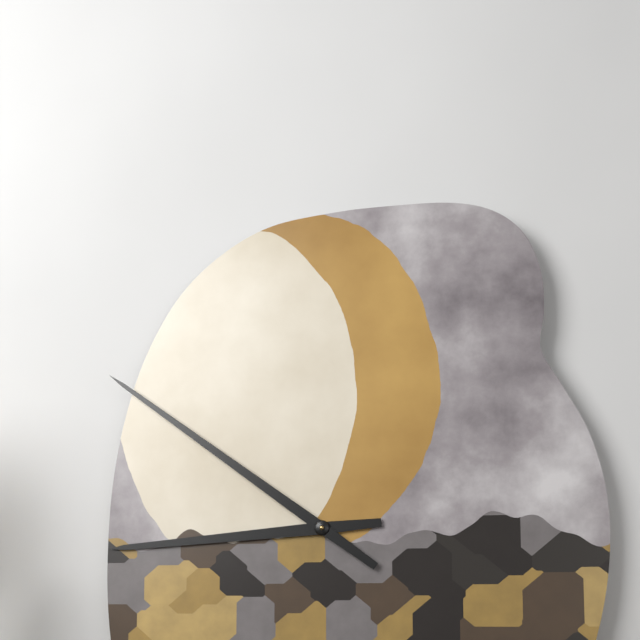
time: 8:51
